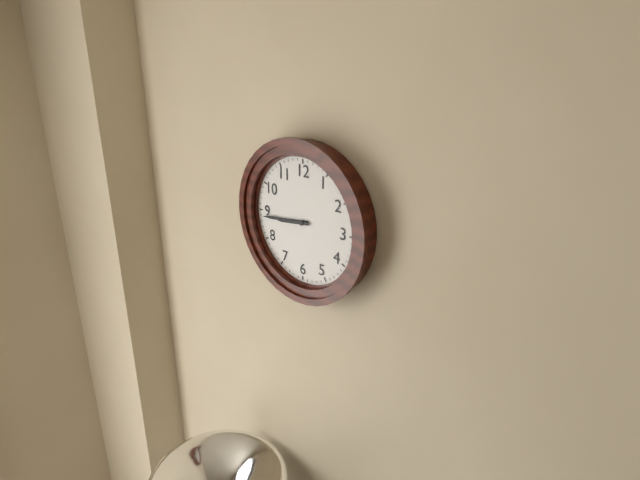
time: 8:44
